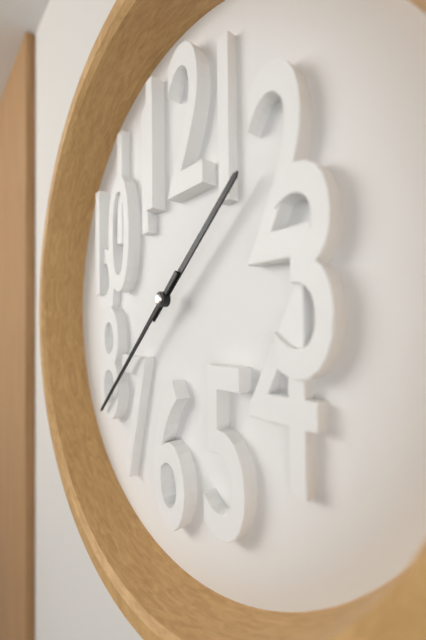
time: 1:38
